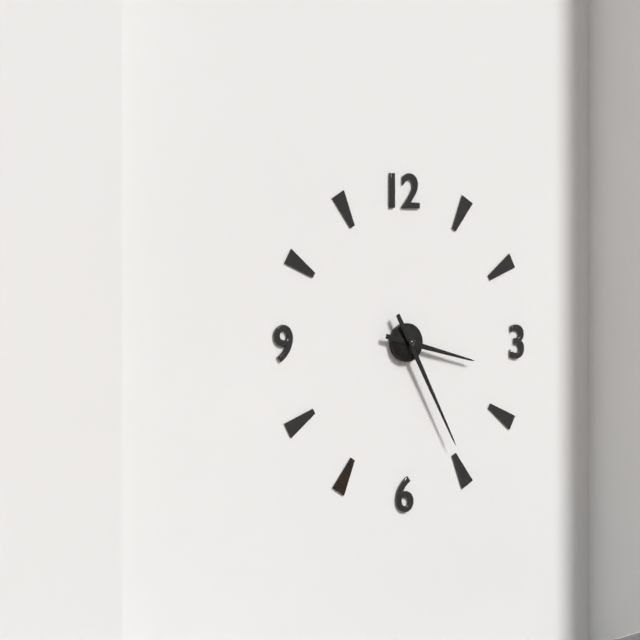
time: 3:25
